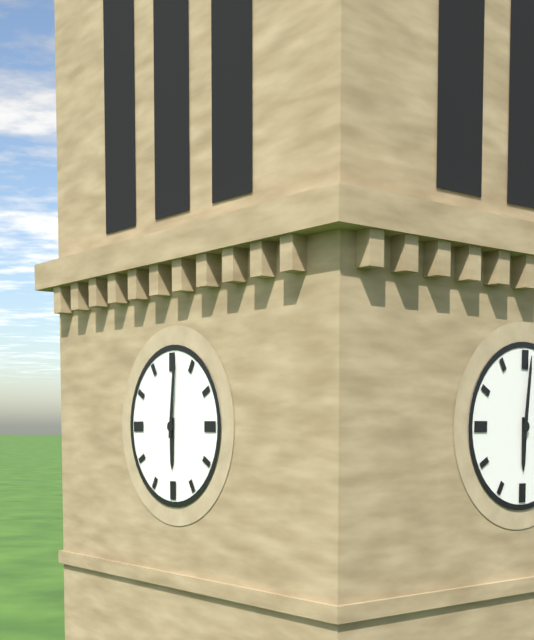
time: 6:01
